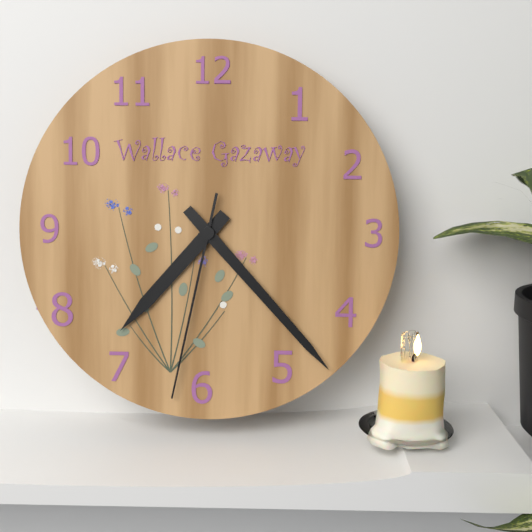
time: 7:23:32
